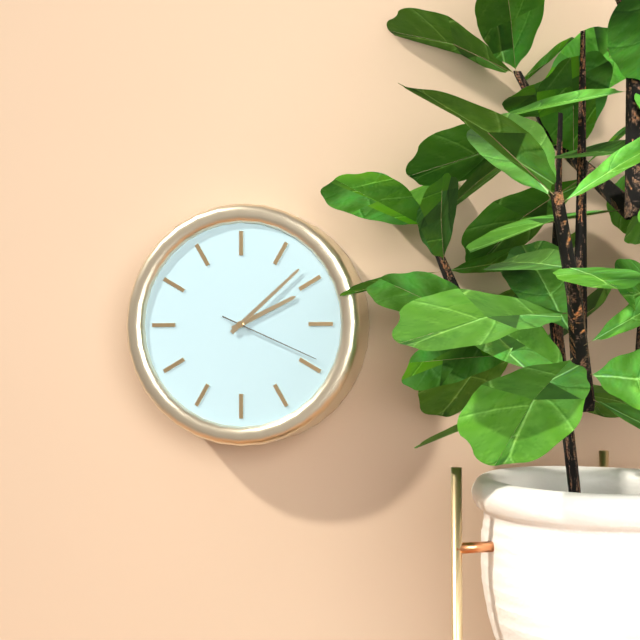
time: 2:08:19
